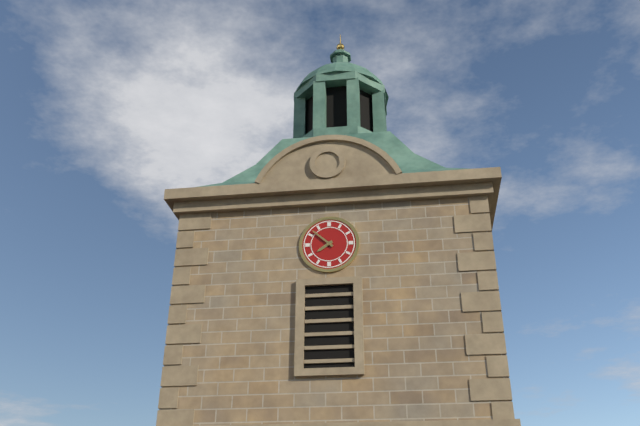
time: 7:52
